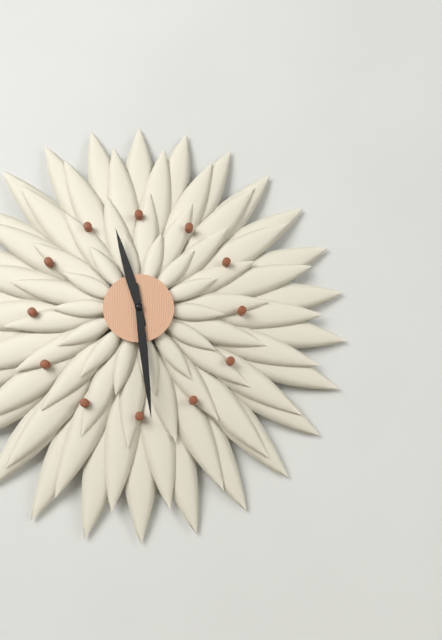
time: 11:29
